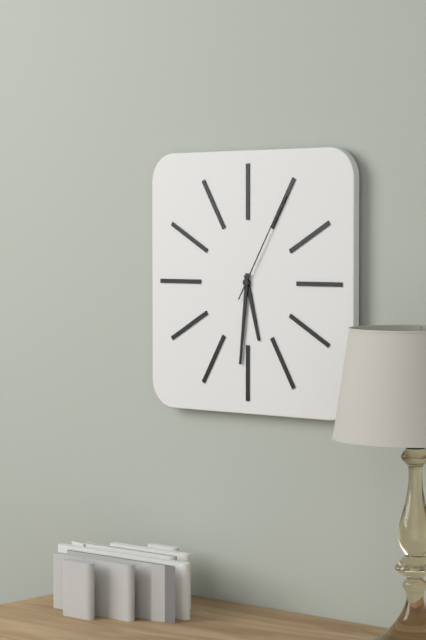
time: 5:31:05
